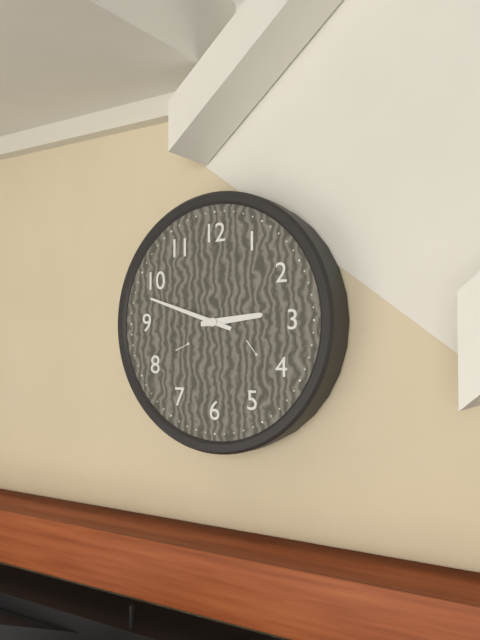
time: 2:48
